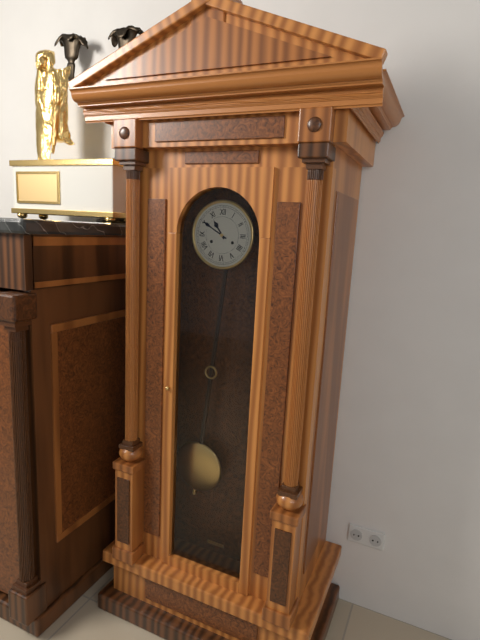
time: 10:50
